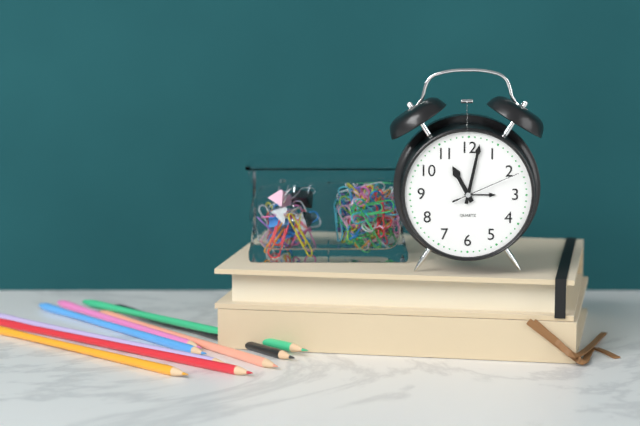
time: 11:02:11
